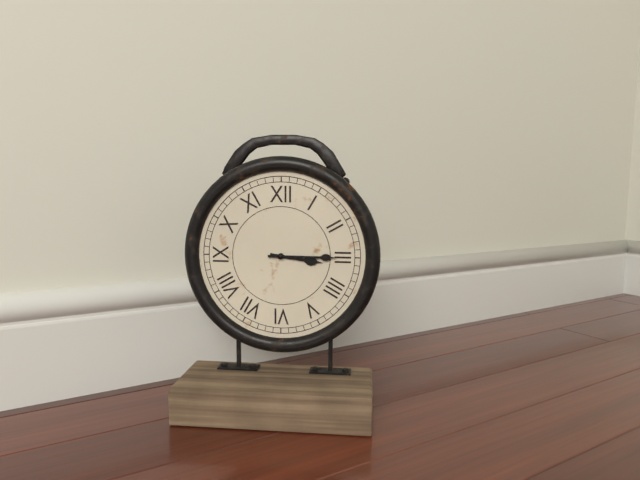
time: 3:15
